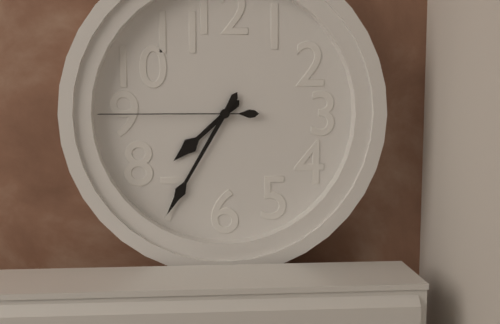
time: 7:35:45
